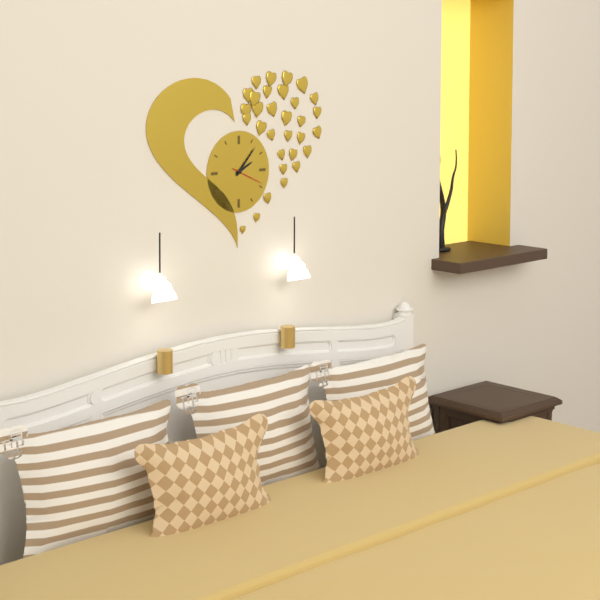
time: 2:07
